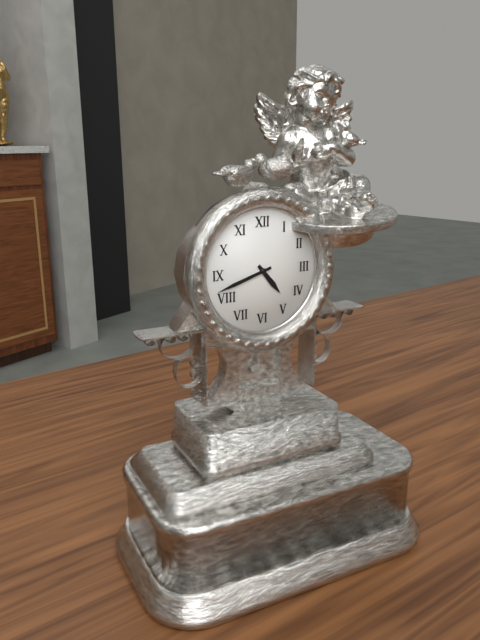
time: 4:42
